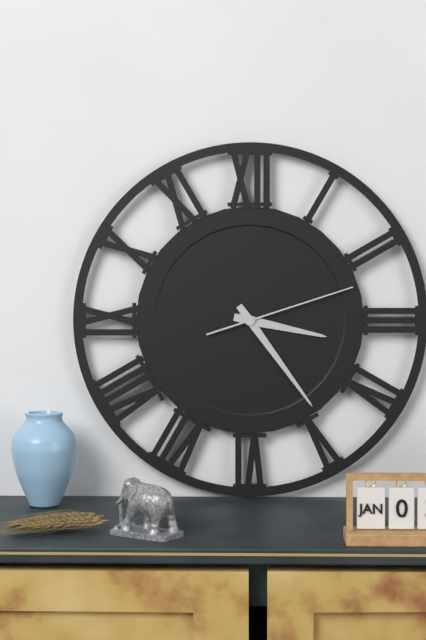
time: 3:24:12
